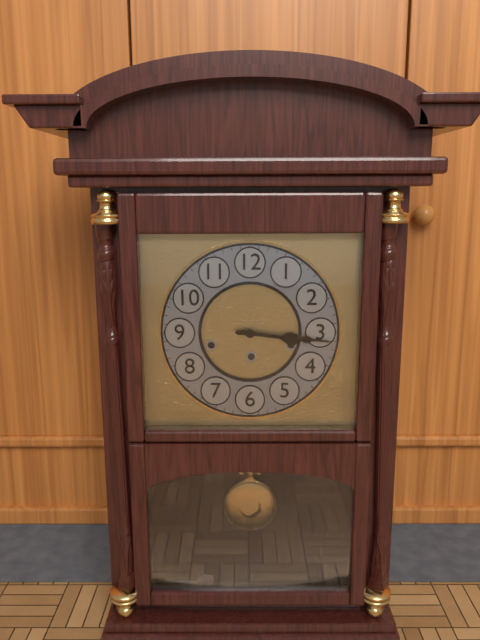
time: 3:16
